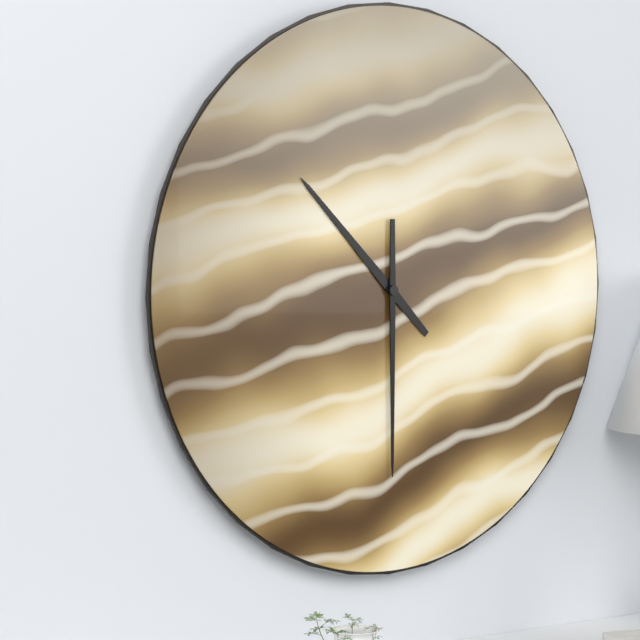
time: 10:30
